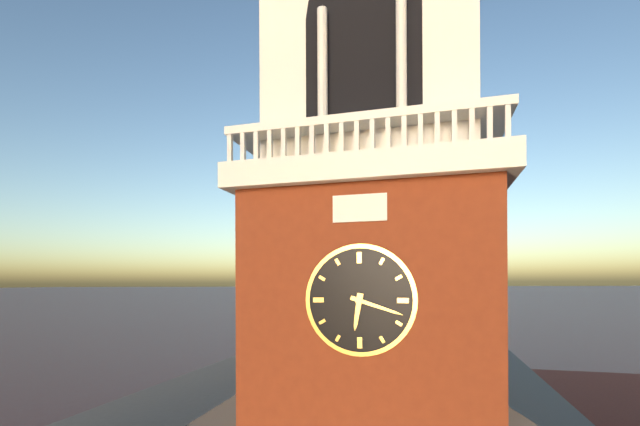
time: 6:18
